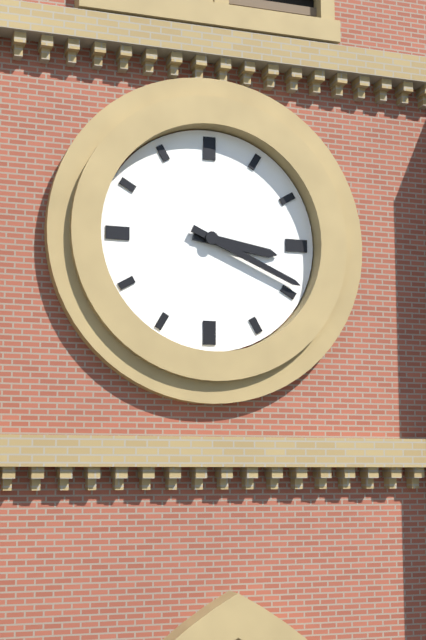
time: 3:19
